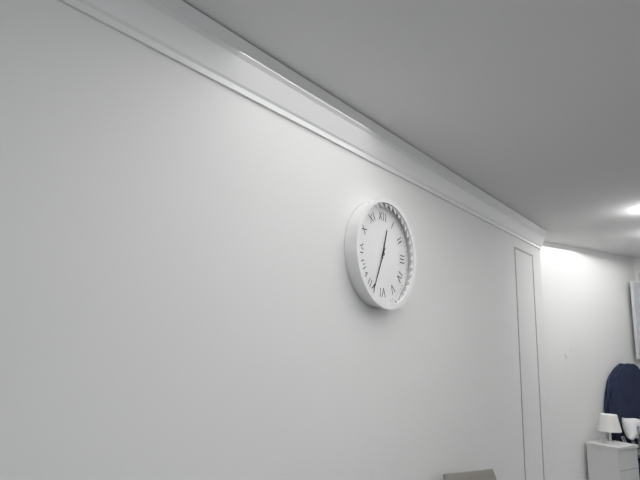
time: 12:34
